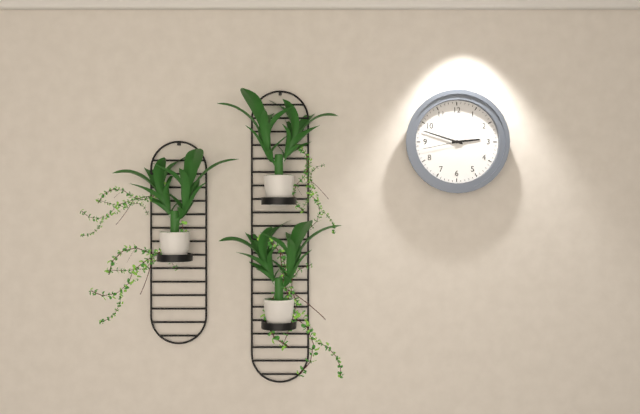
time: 2:48
